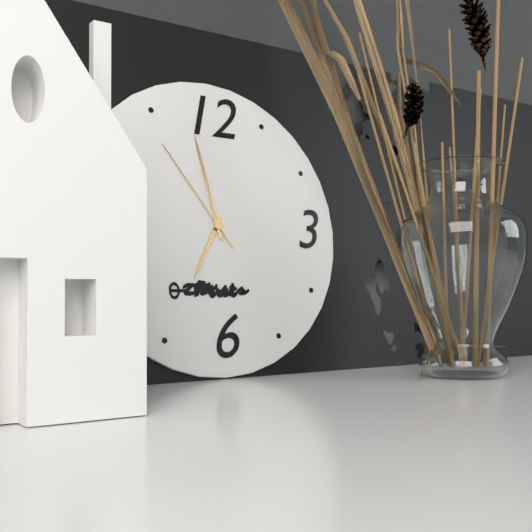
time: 6:58:54
